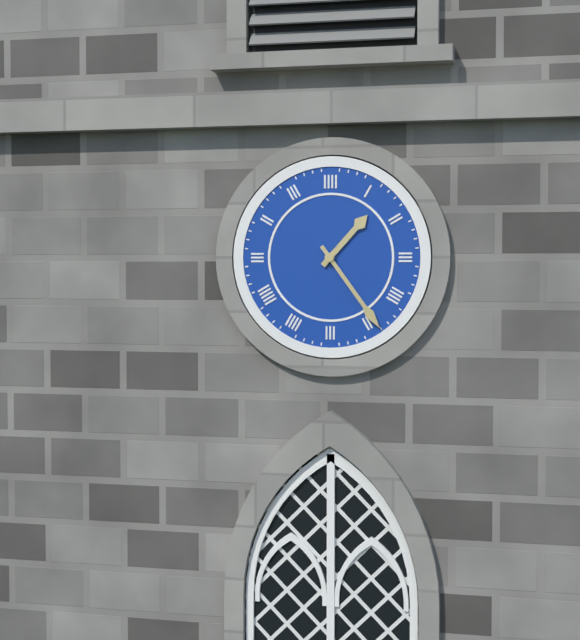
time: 1:24
